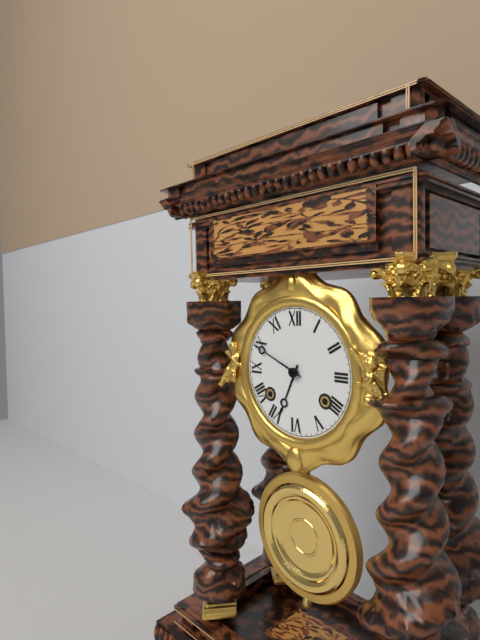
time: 6:49
